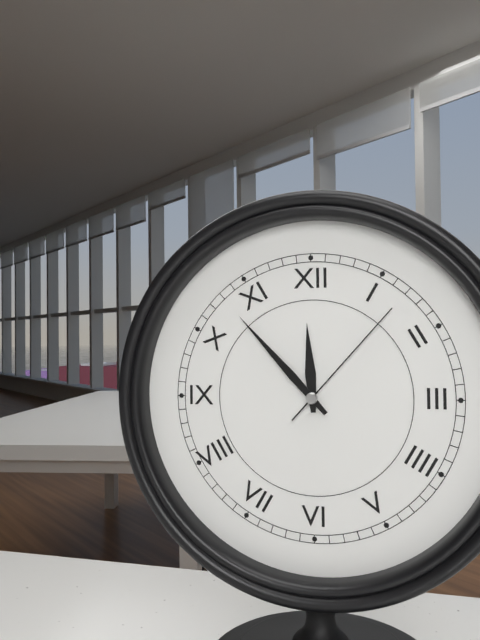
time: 11:53:07
